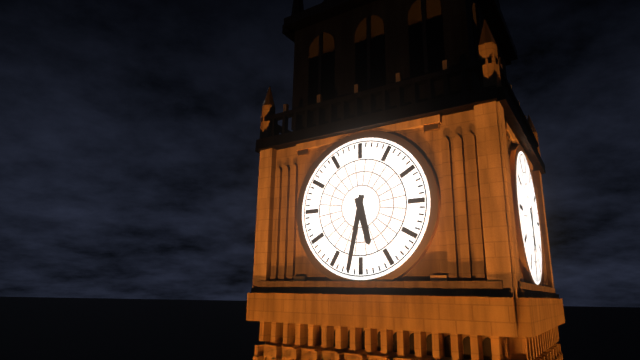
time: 5:32
